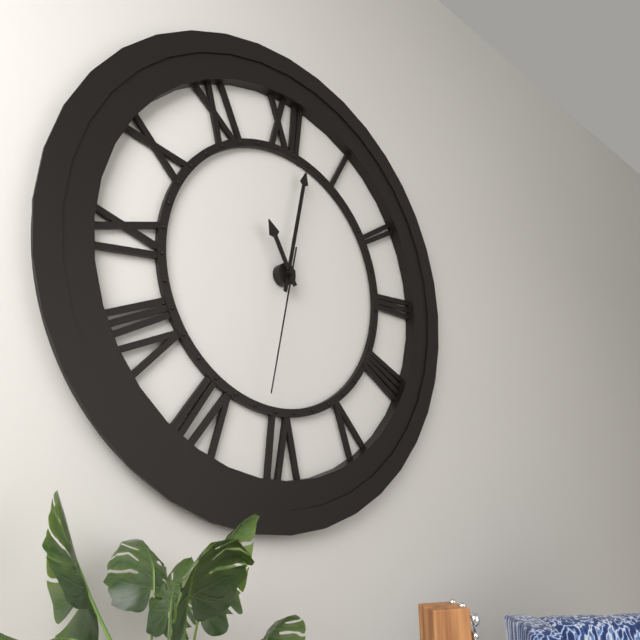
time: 11:02:32
